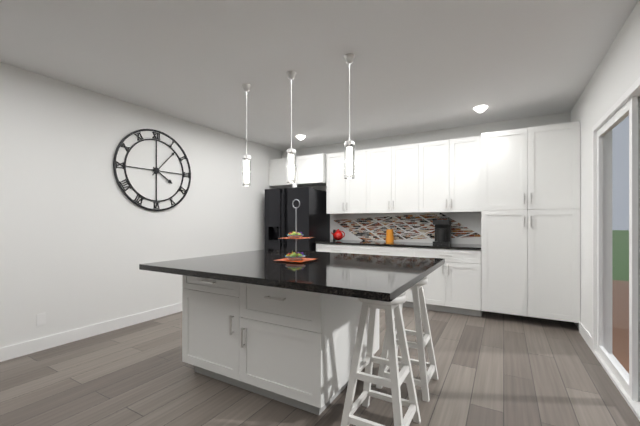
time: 4:07
